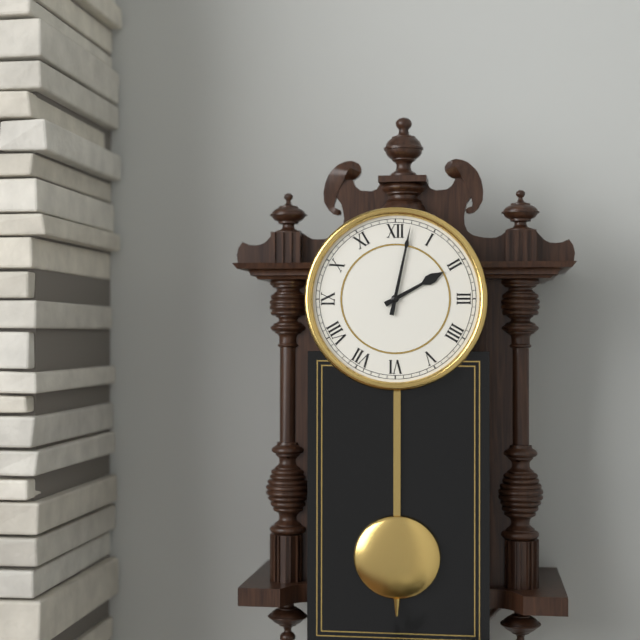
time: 2:02
